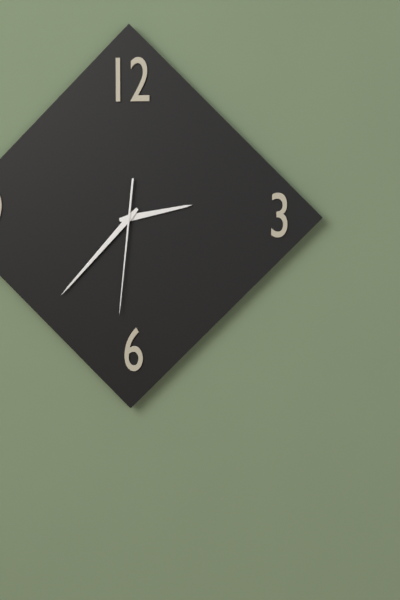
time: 2:37:31
